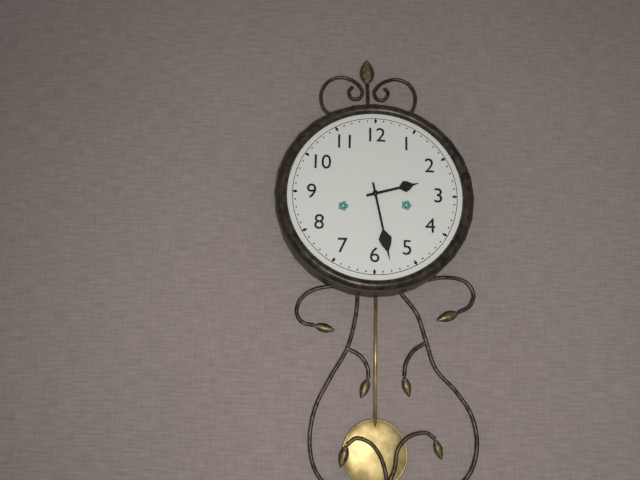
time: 2:28
